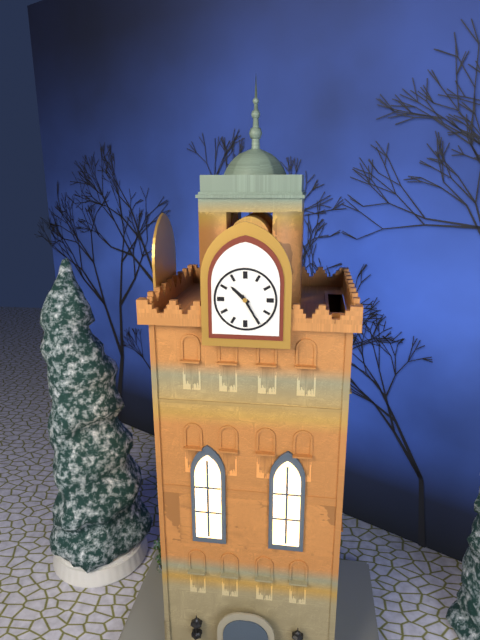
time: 10:25
